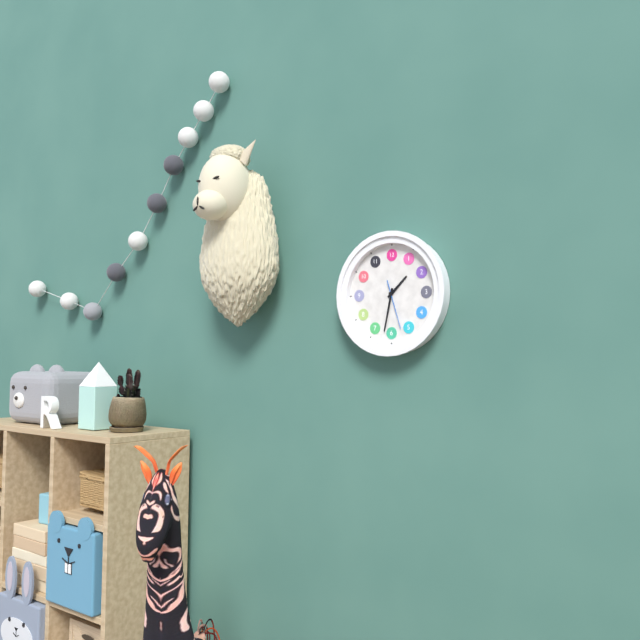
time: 1:32
